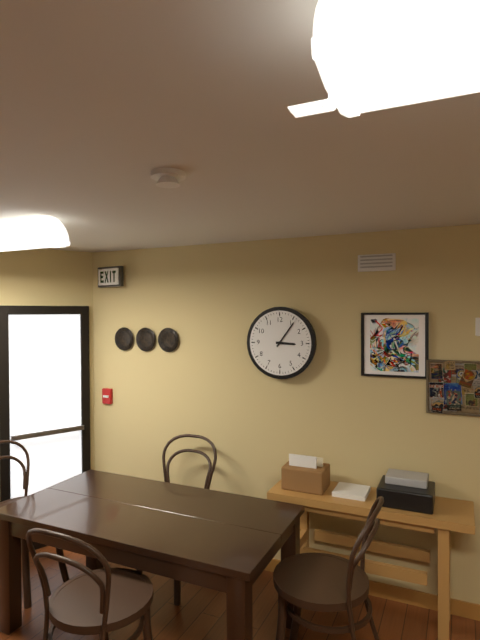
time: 3:06
